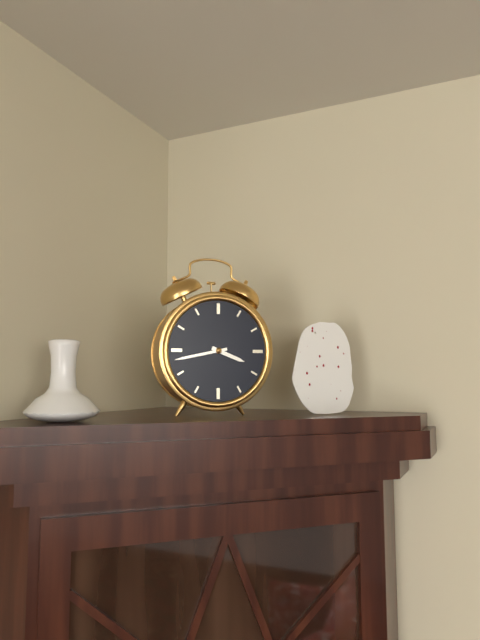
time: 3:43
